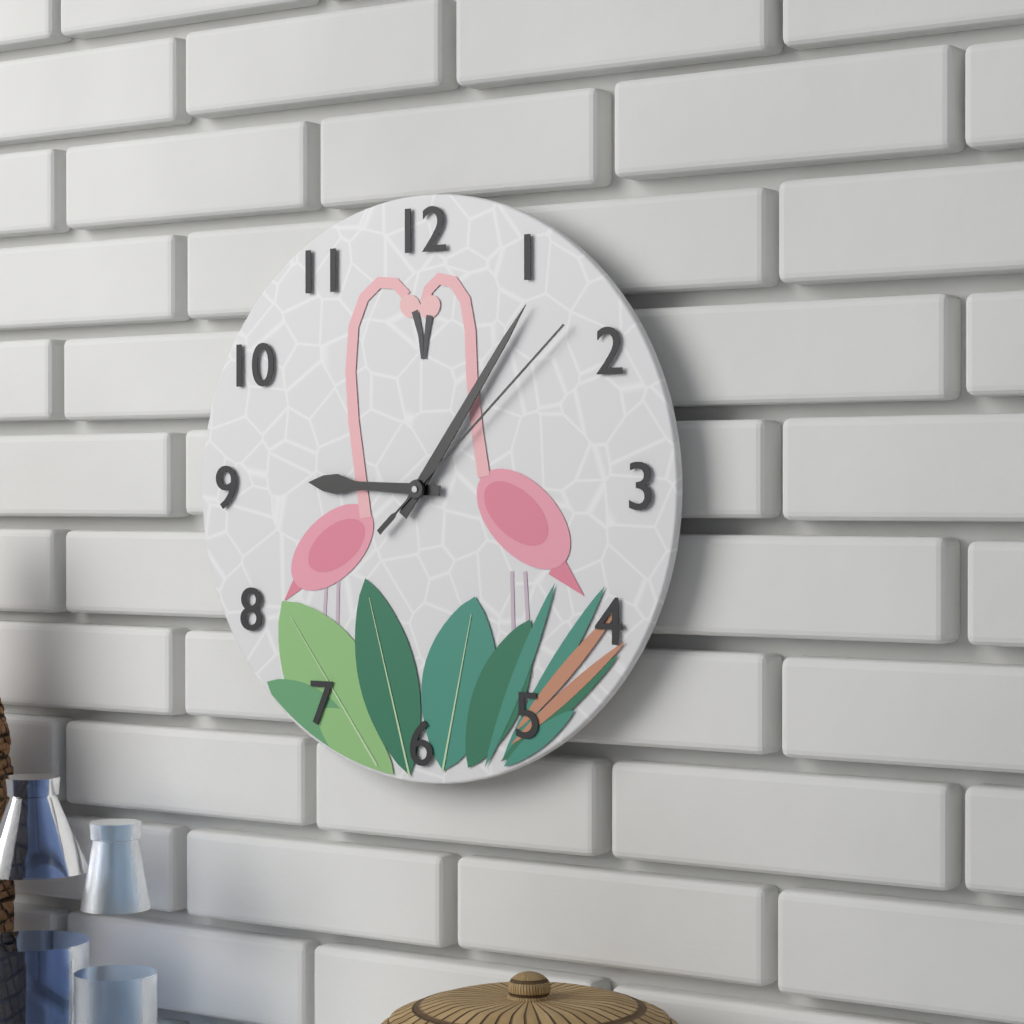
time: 9:06:08
